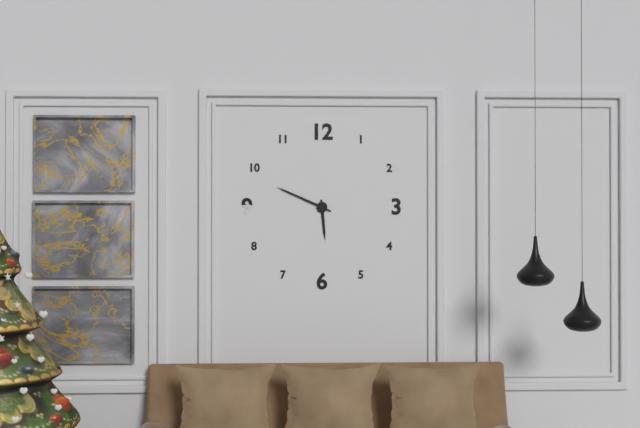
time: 5:49
